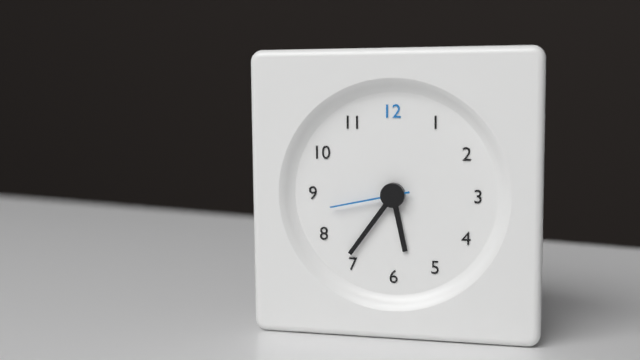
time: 5:36:43
